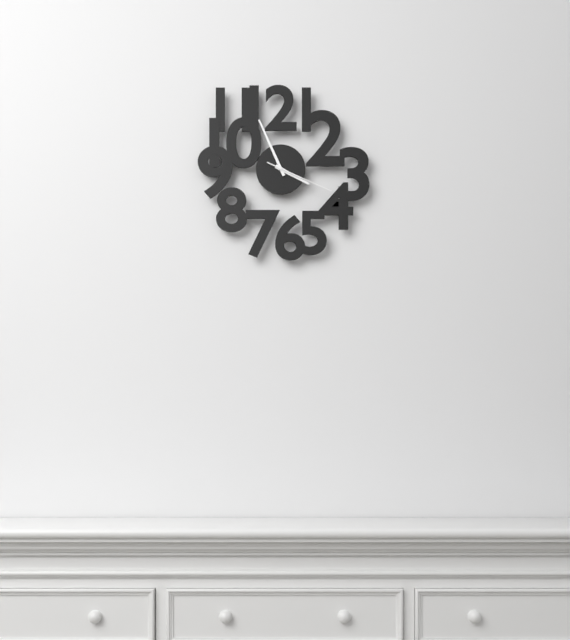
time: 3:56:19
